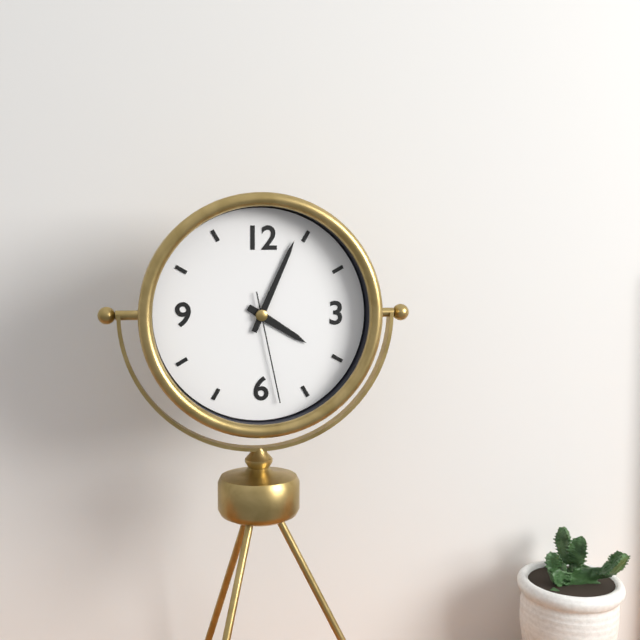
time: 4:04:28
